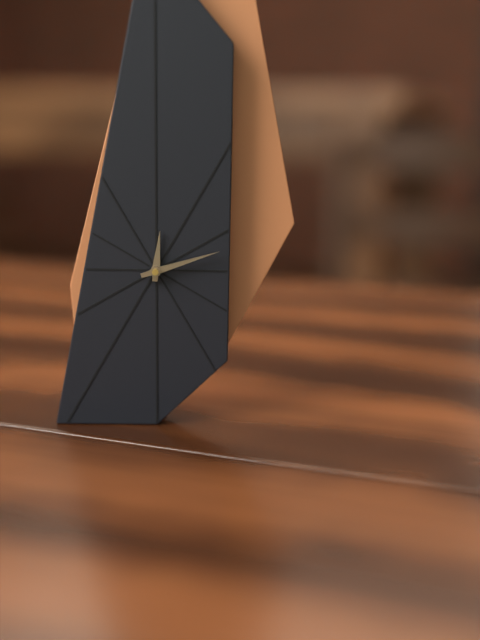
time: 12:12
